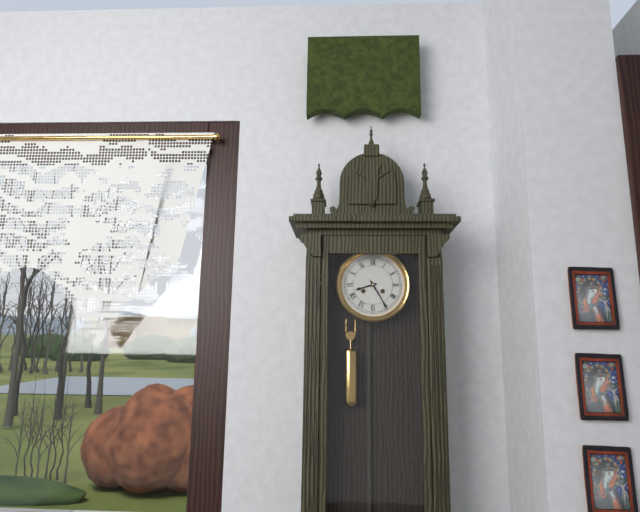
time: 8:25
